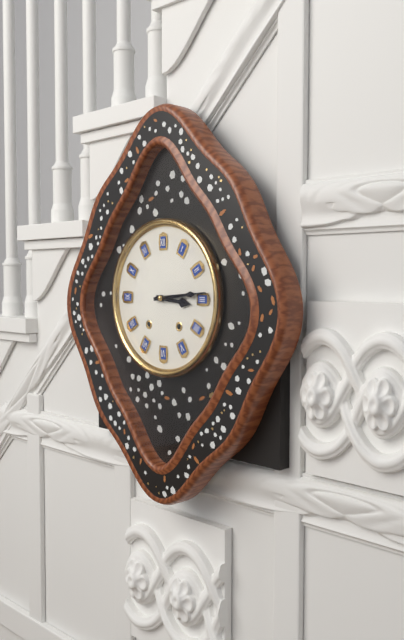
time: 3:14
